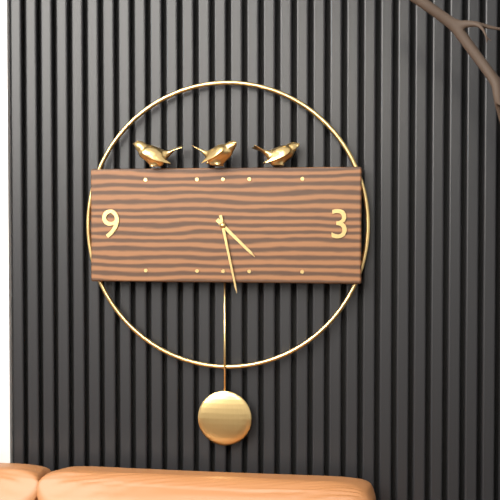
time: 4:28
